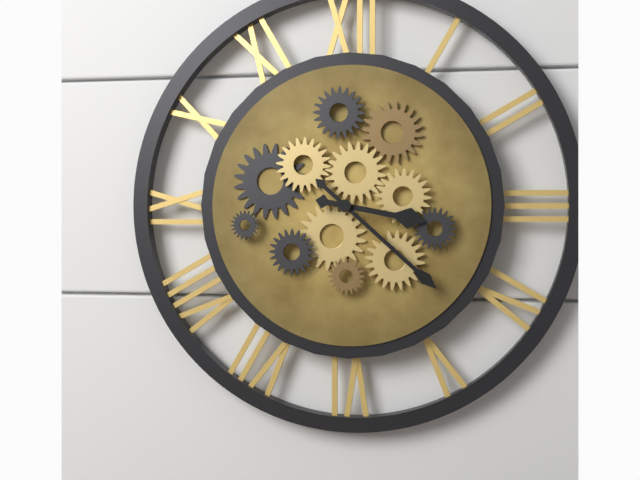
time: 3:22
